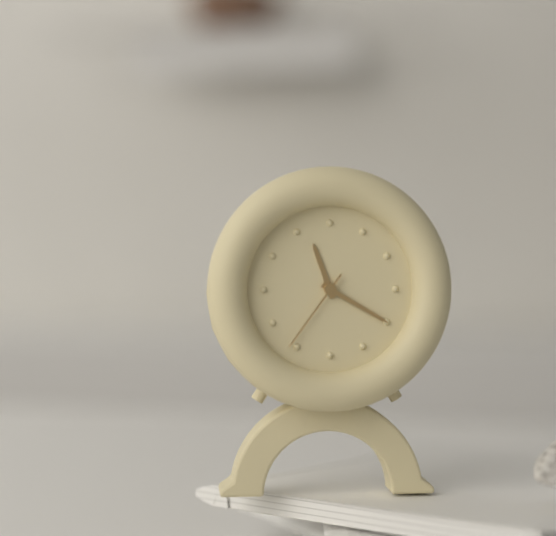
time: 11:20:36
